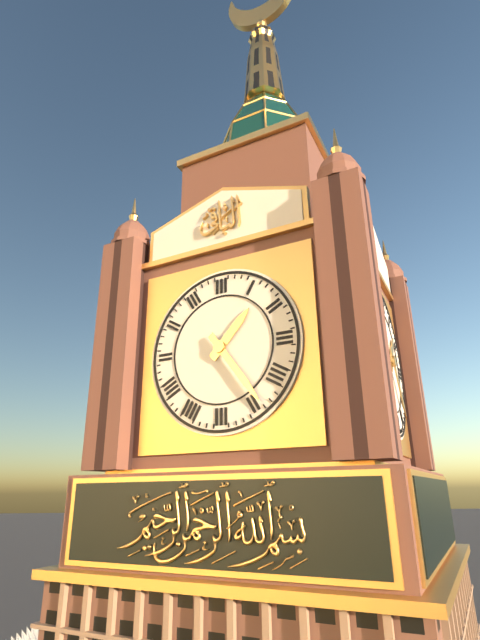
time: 1:24
